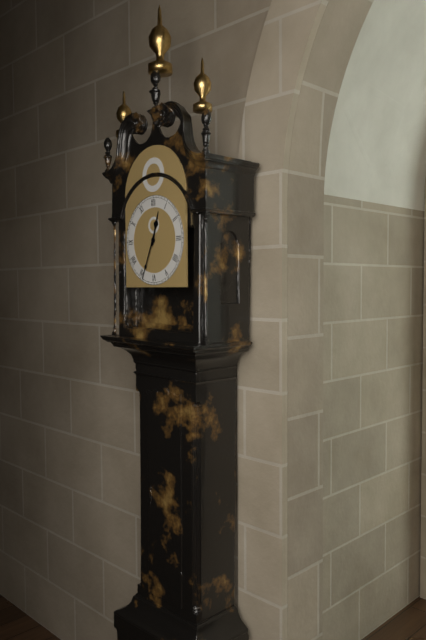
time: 12:34
